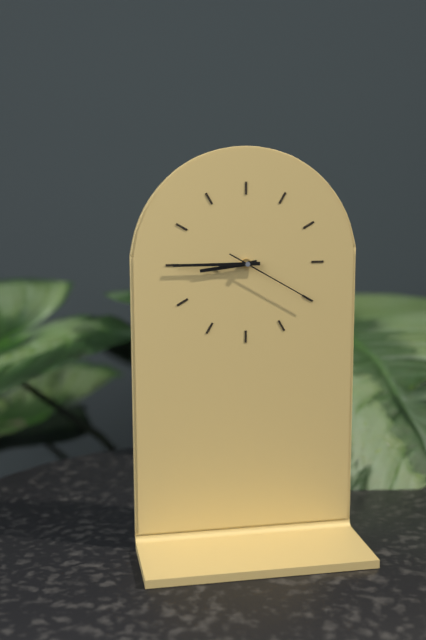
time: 8:45:20
